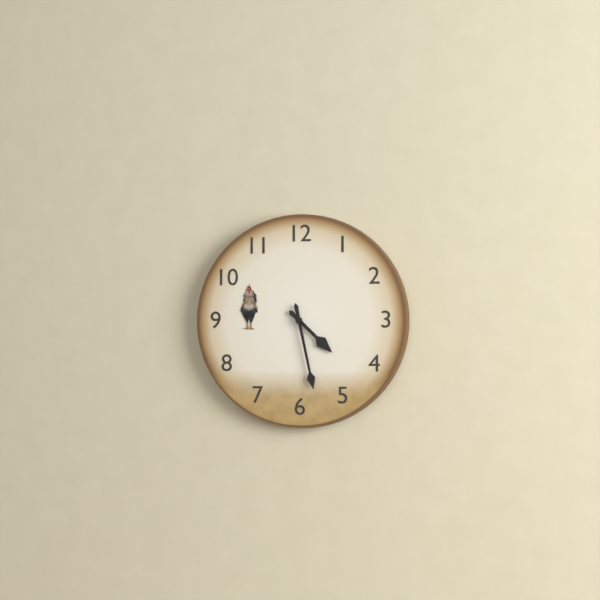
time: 4:28
